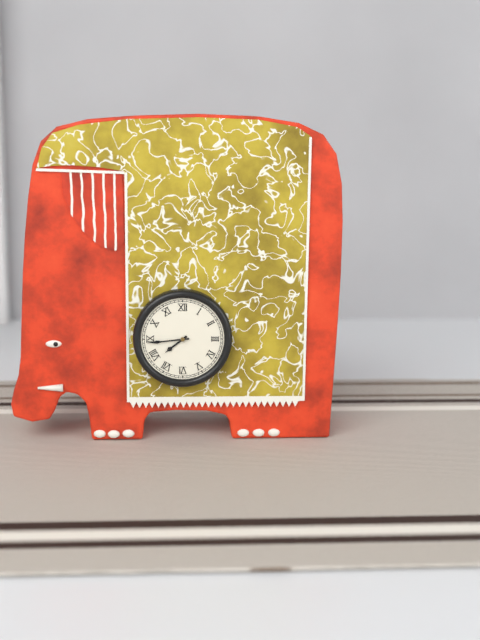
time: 7:44
